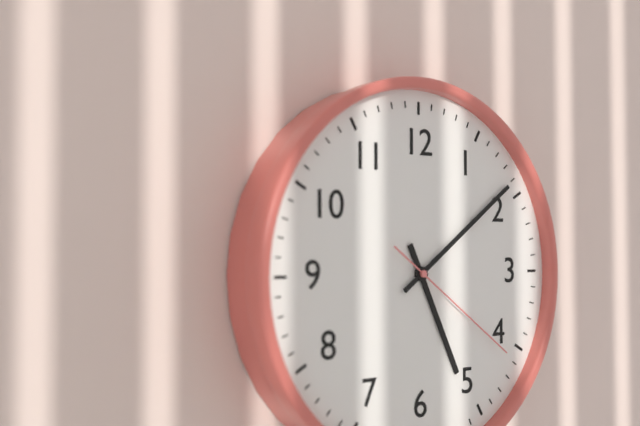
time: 5:09:21
